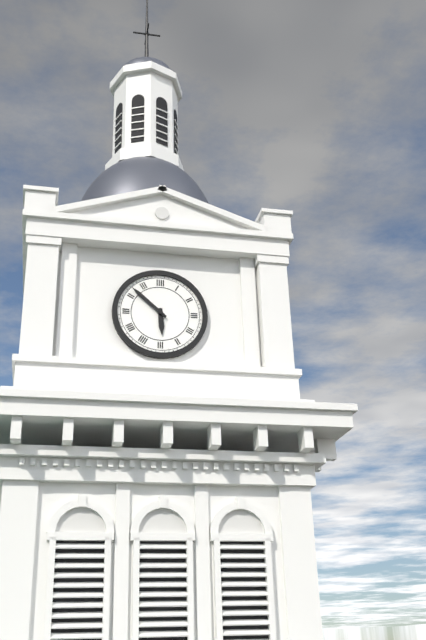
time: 5:52
